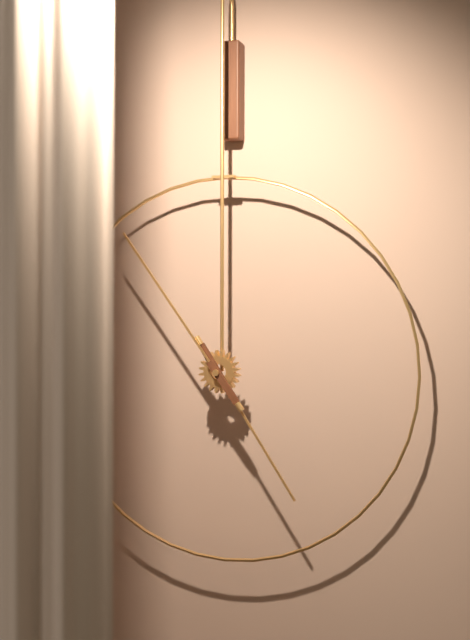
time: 4:54
